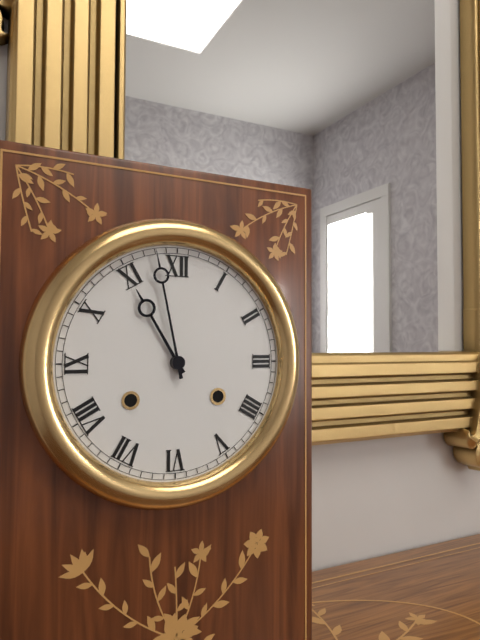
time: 10:58
